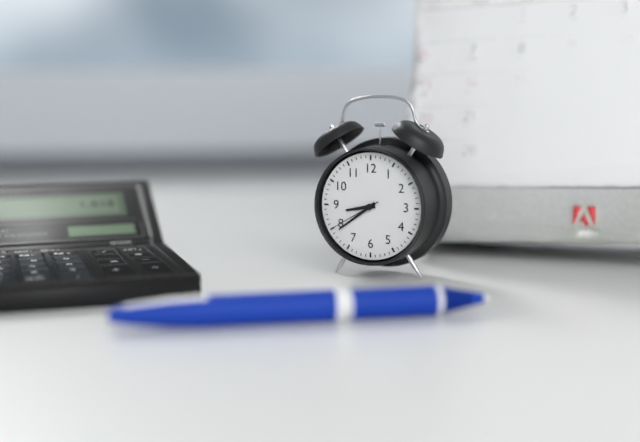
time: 8:39:40
